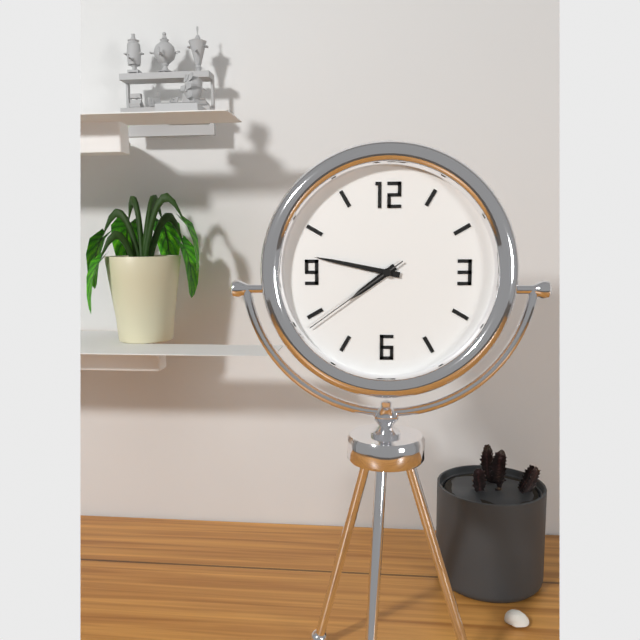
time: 7:47:39
